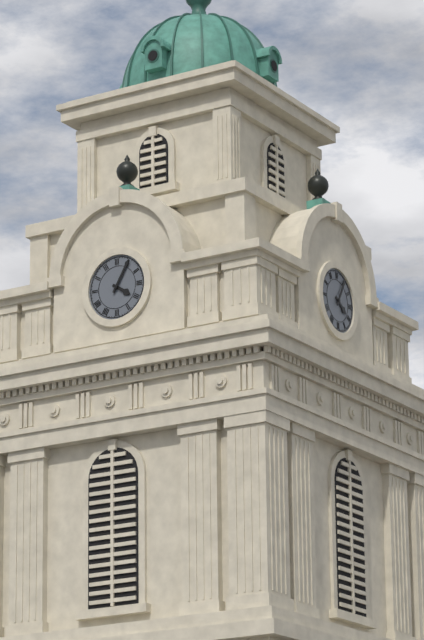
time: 4:05
